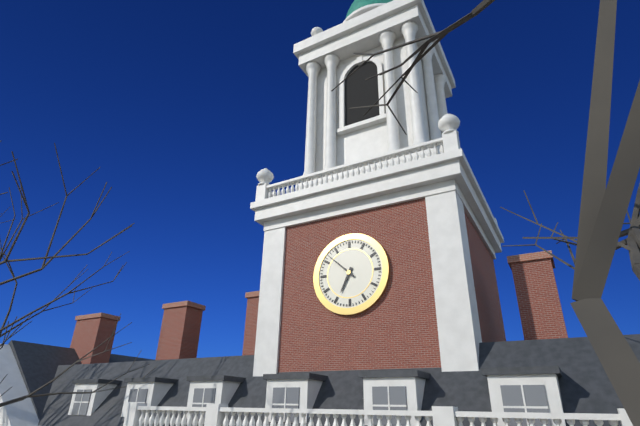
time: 6:52
